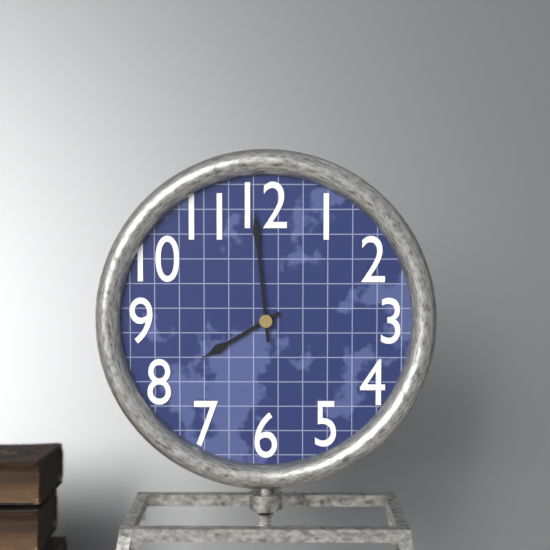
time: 7:59
